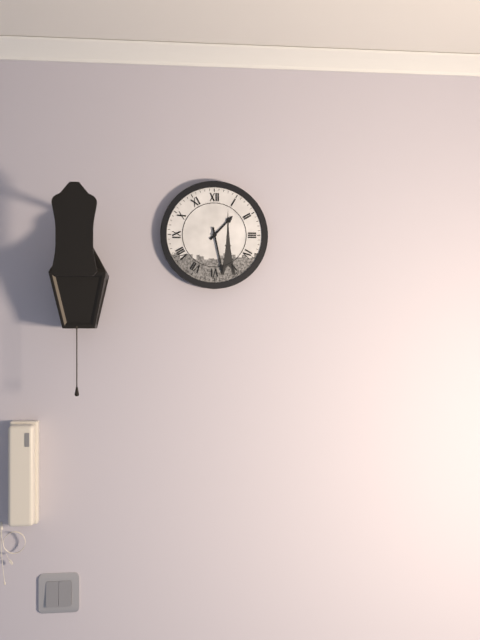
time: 1:28
